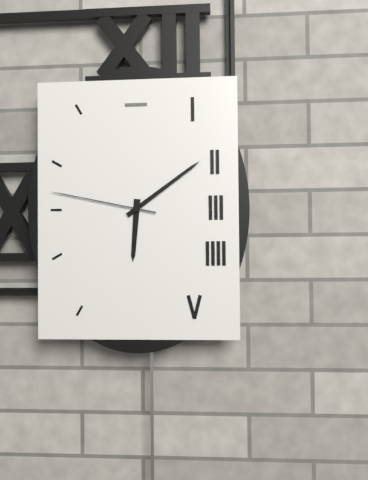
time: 6:09:47
